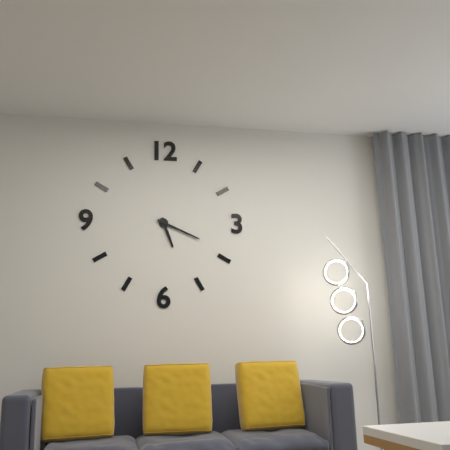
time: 5:19
